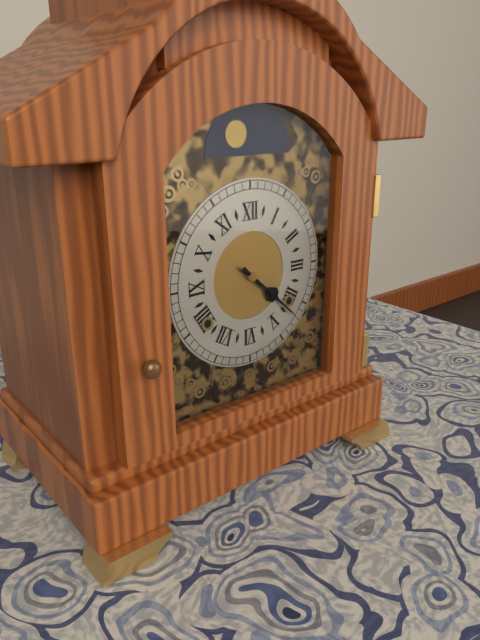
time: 4:22
